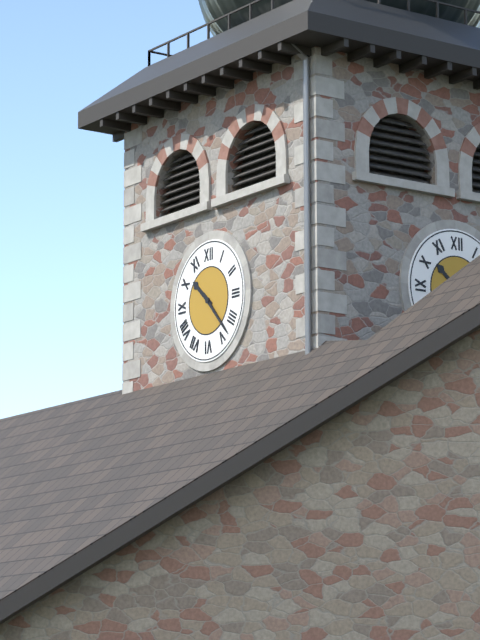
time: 10:23
